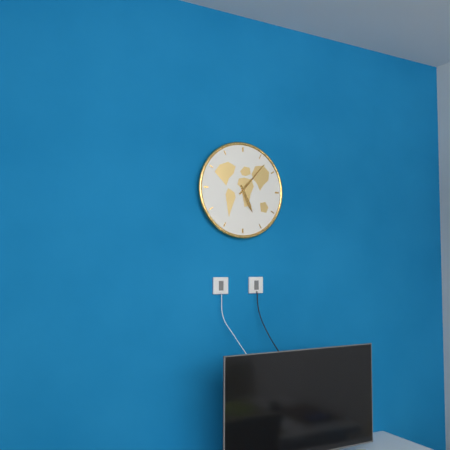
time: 5:07
